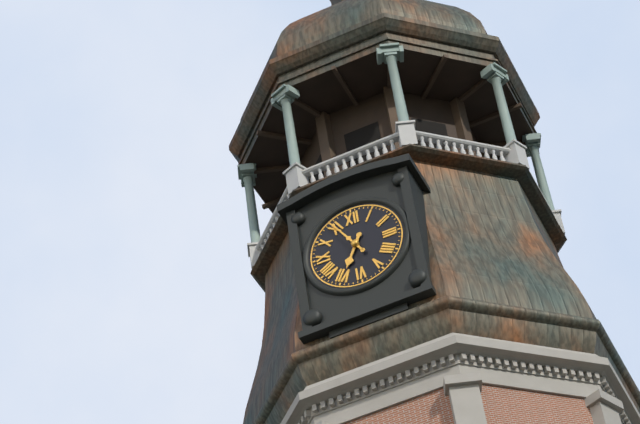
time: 6:55
